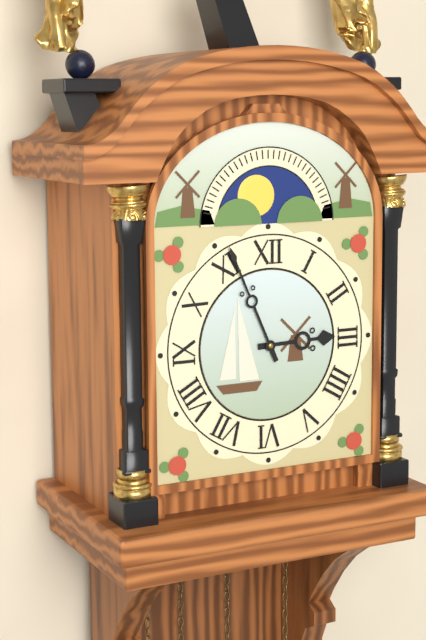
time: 2:56
